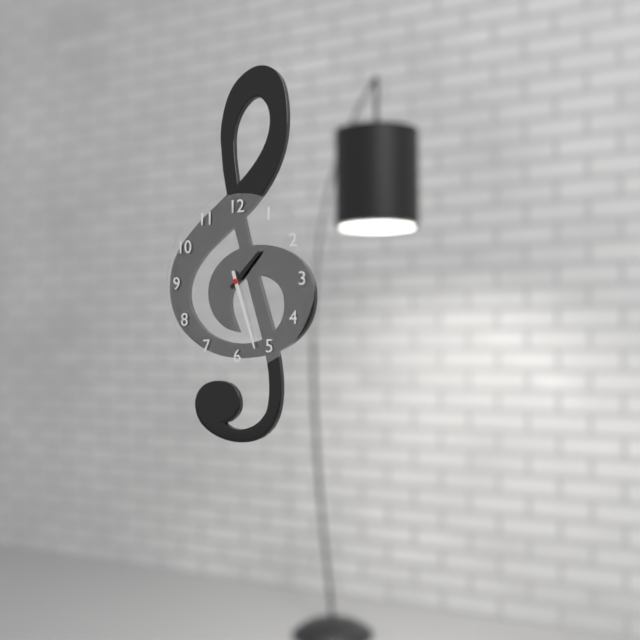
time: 1:27
